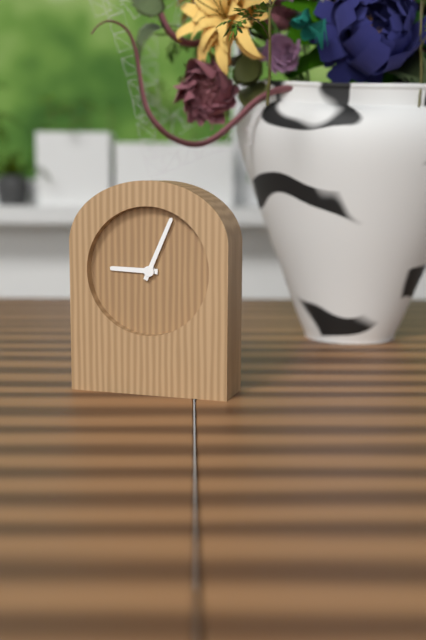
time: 9:04
